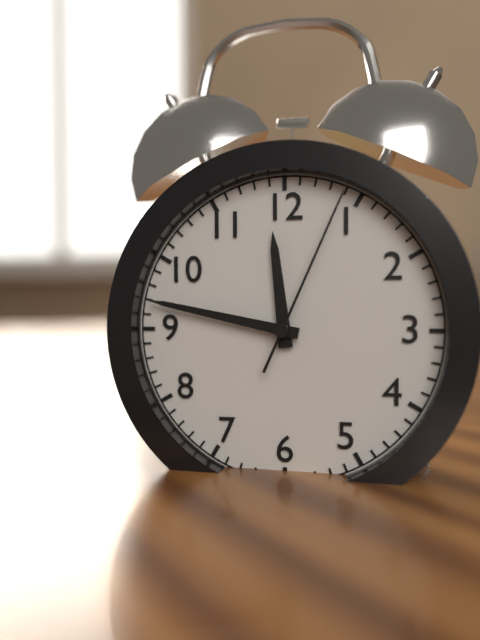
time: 11:47:04
